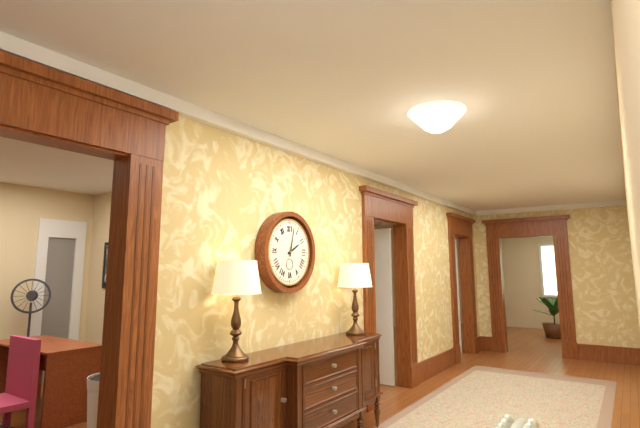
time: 2:02
